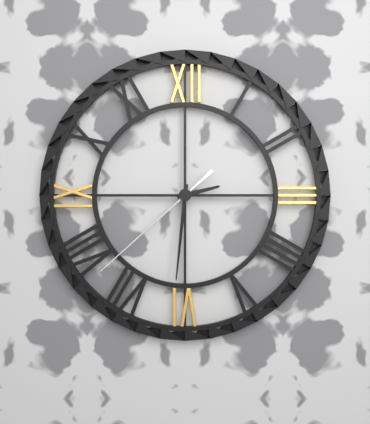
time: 2:31:38
